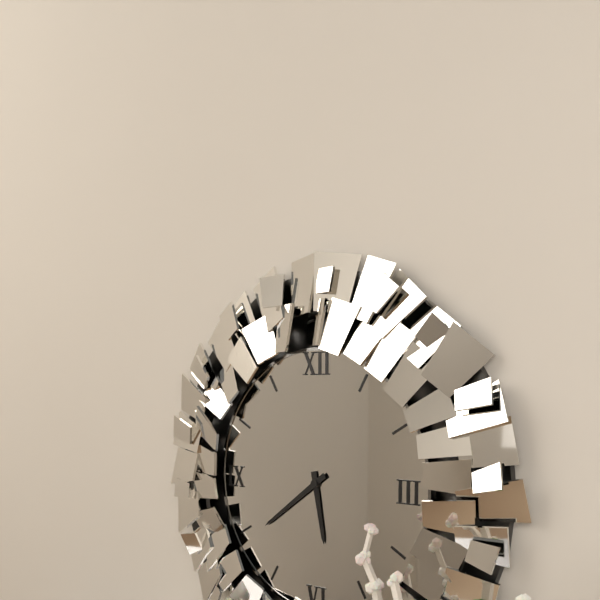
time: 5:39
